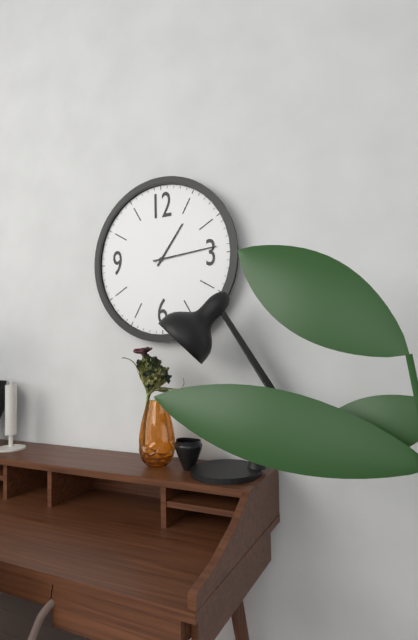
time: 1:14
